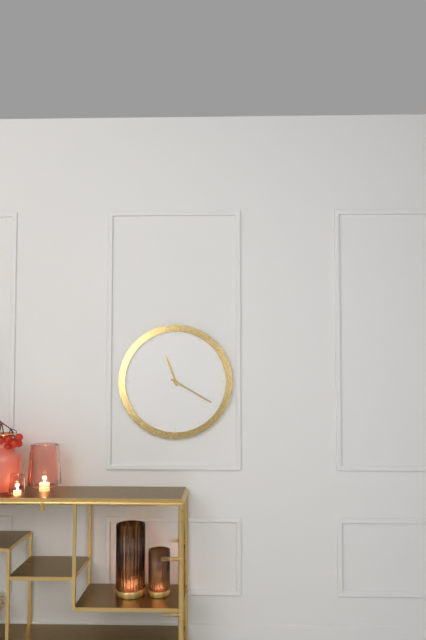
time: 11:20
